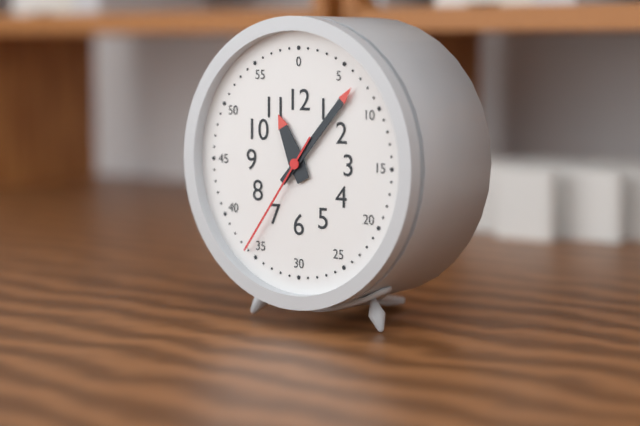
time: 11:07:36
